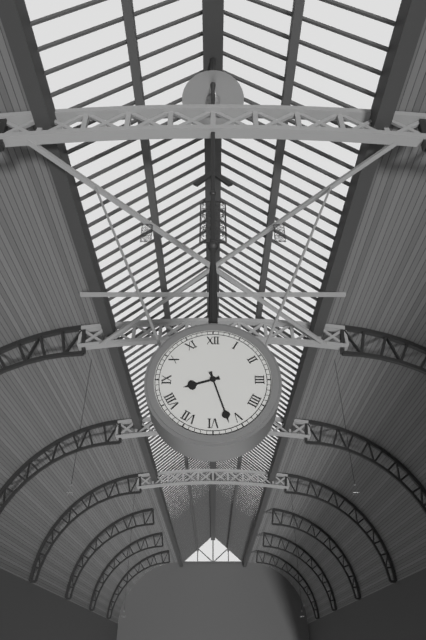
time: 8:27
